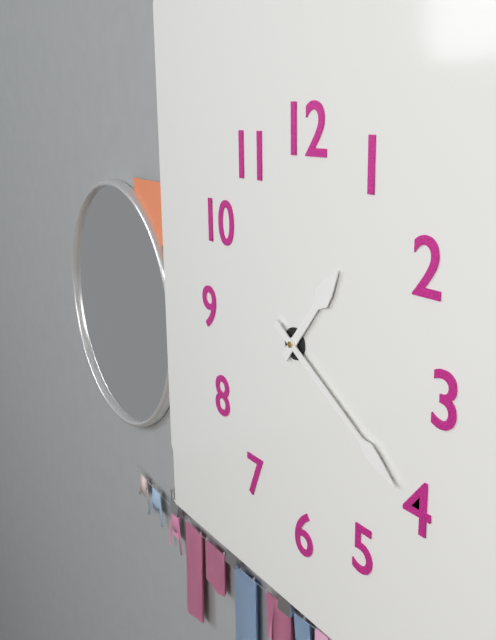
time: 1:20
